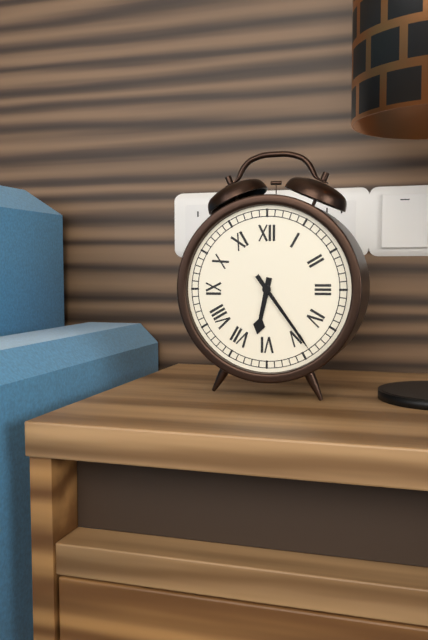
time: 6:24
